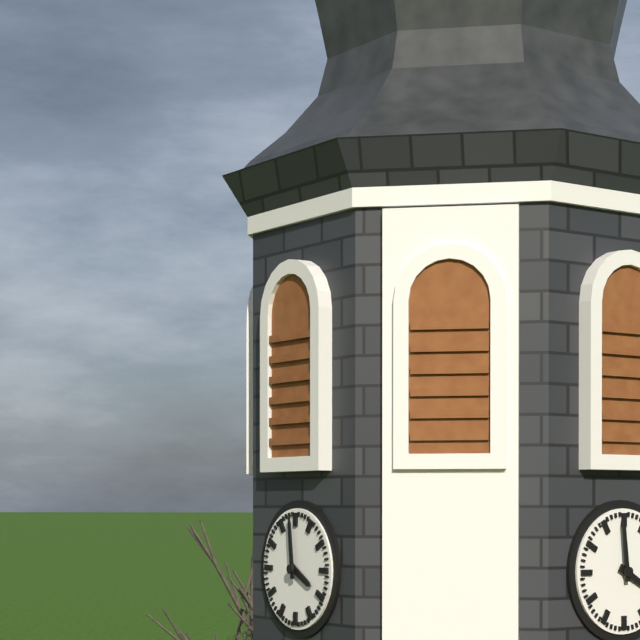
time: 3:59
